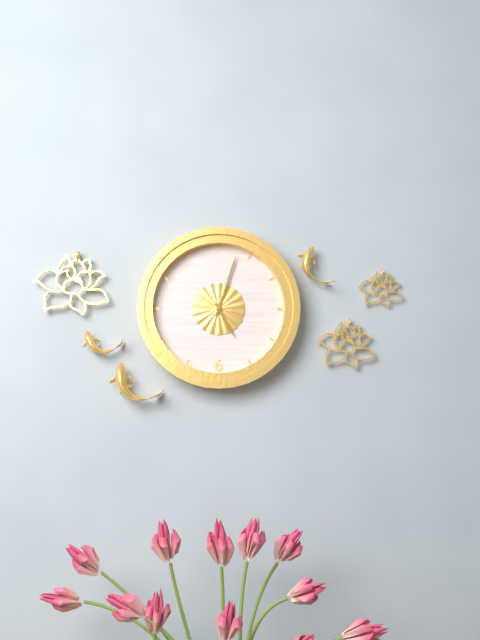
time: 5:03
